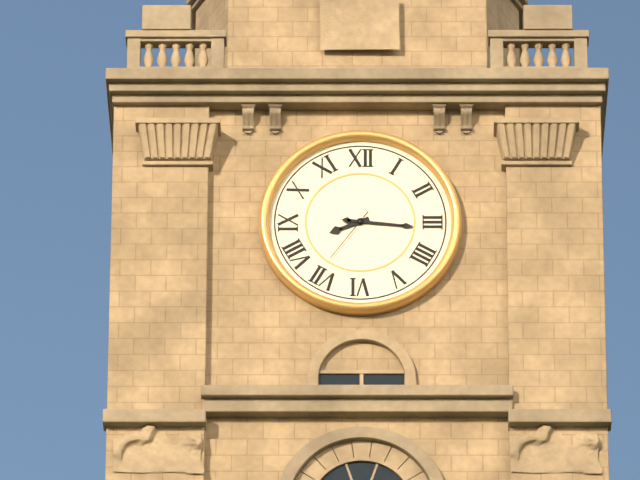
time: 8:16:36
